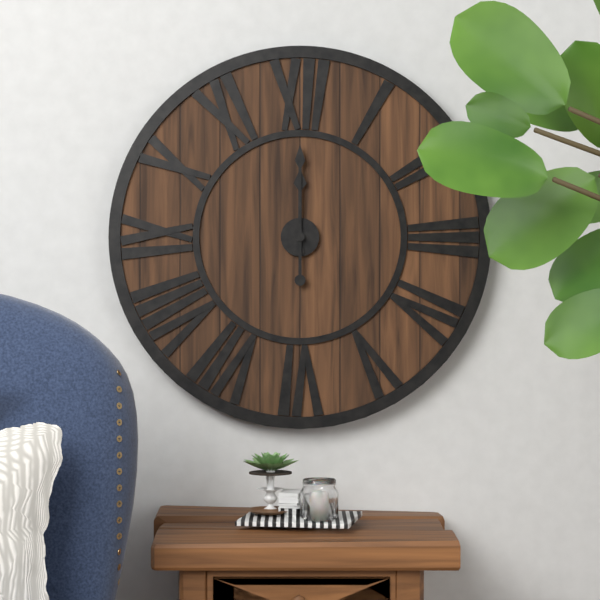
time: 12:00
